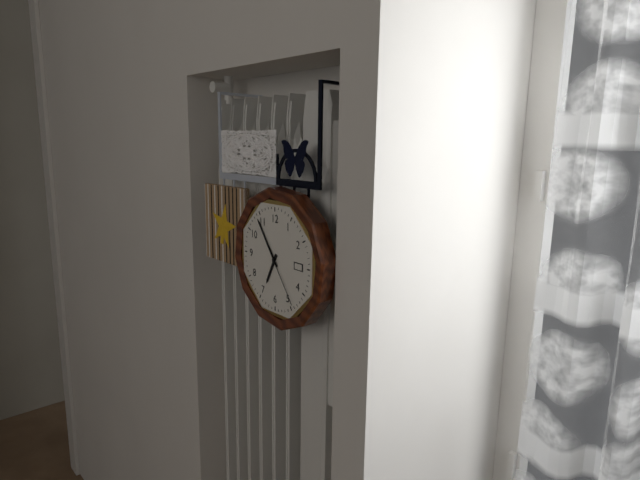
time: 6:54:24
